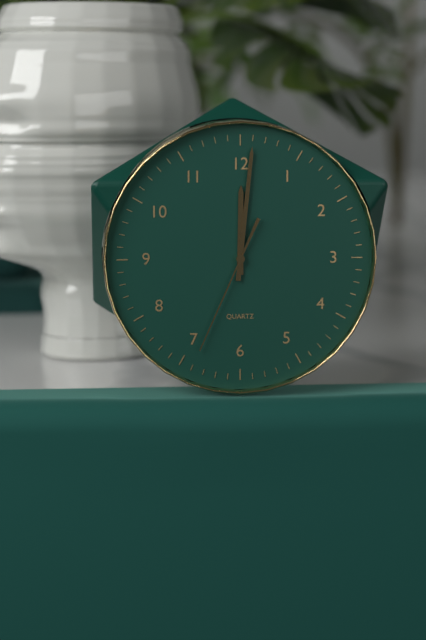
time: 12:01:34
